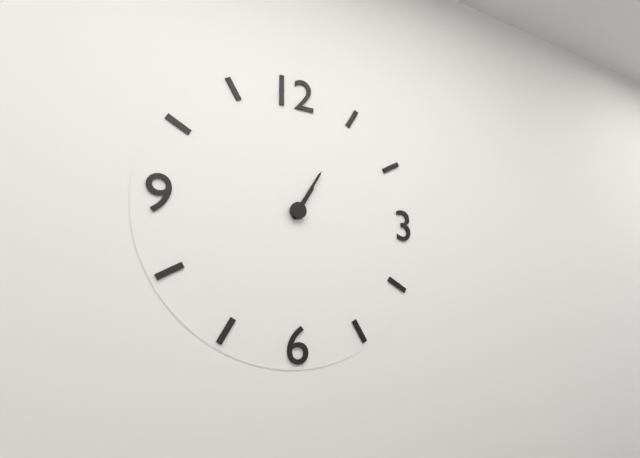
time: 1:05
